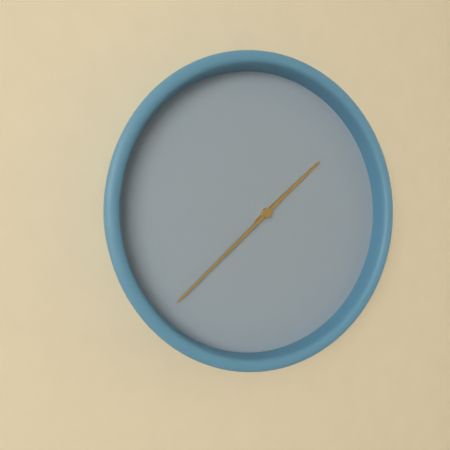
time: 1:38
